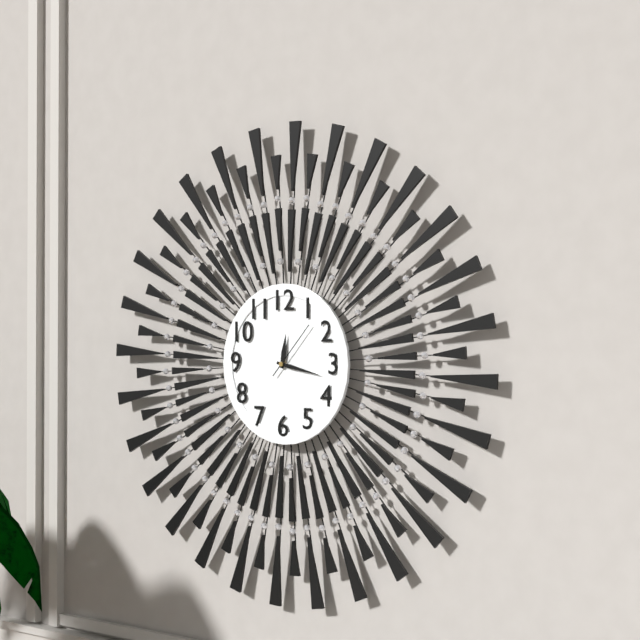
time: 12:17:07
